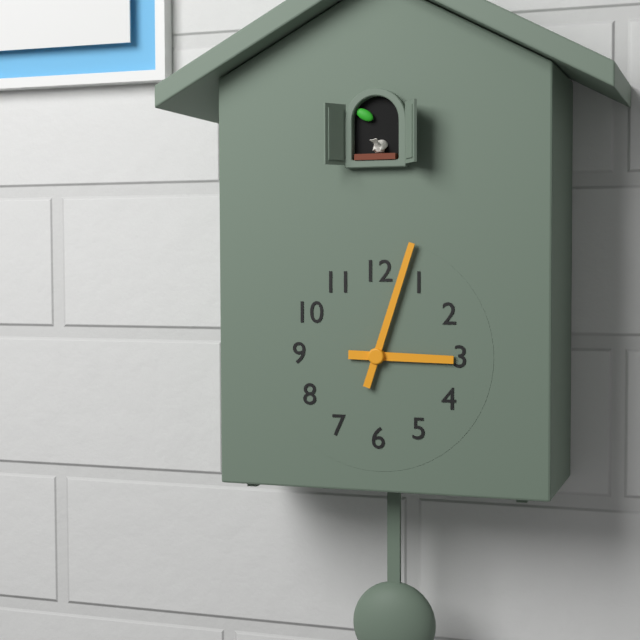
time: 3:03
